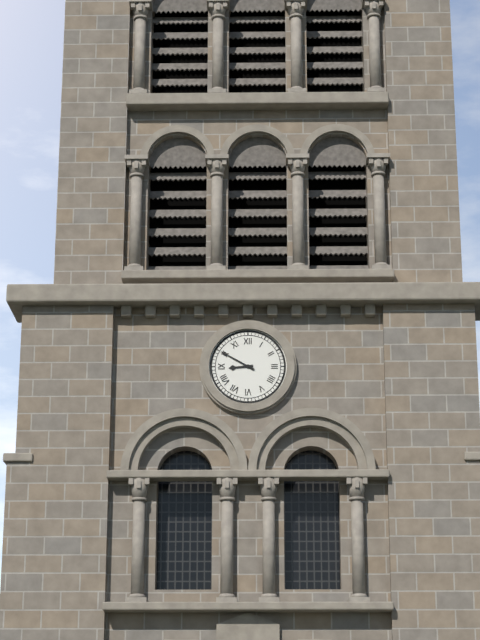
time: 8:50
